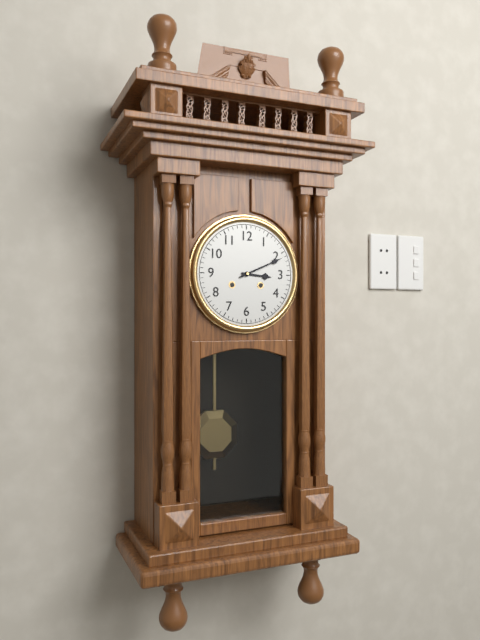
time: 3:11
